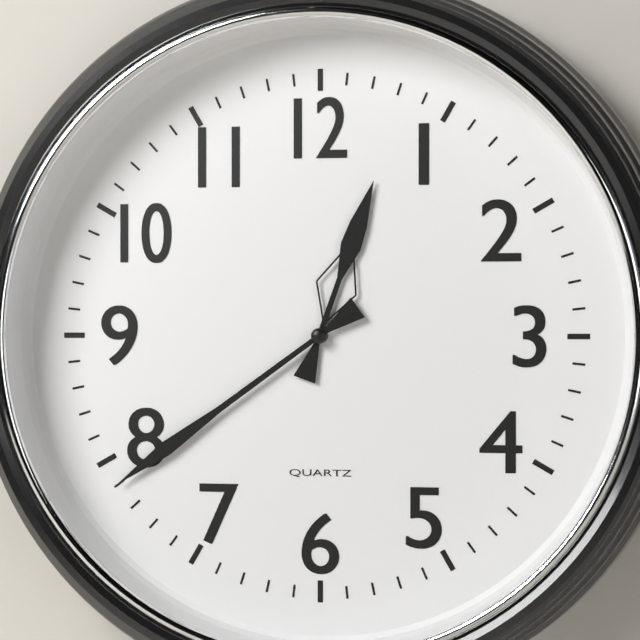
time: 12:39
